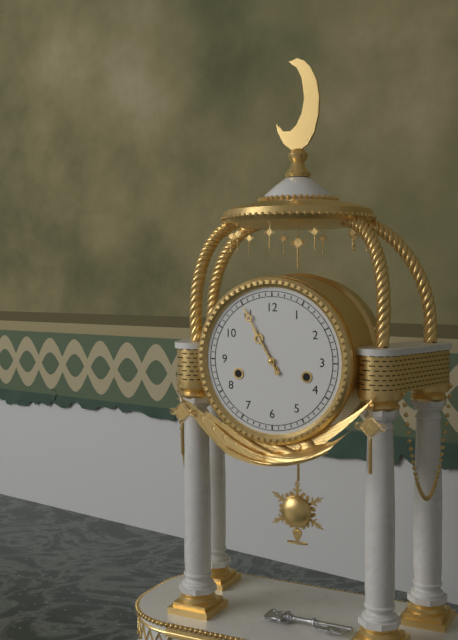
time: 10:55
